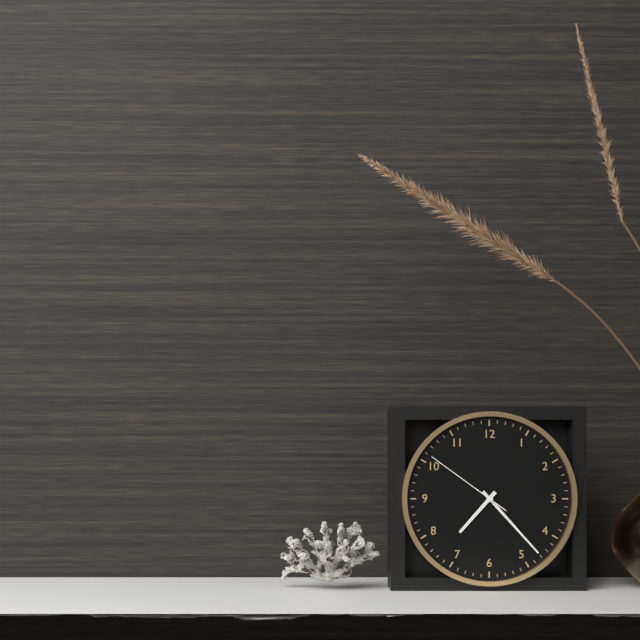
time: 7:23:51
